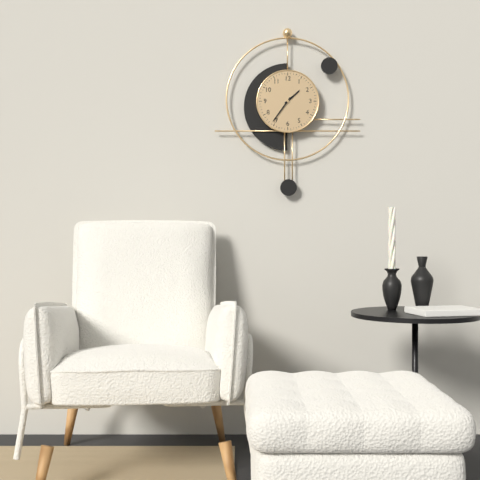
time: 1:36
